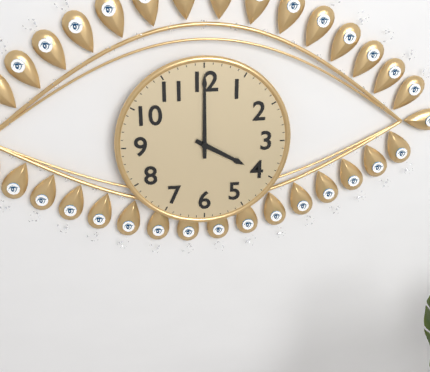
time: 4:00
